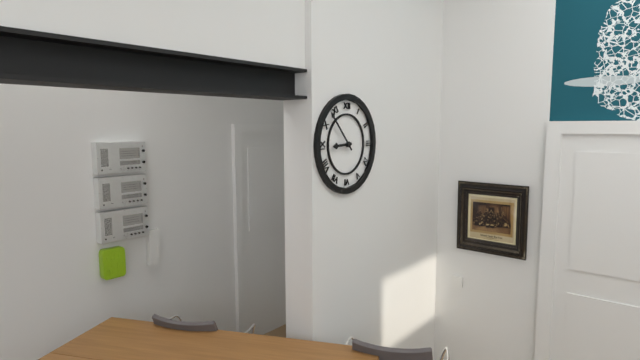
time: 8:53
